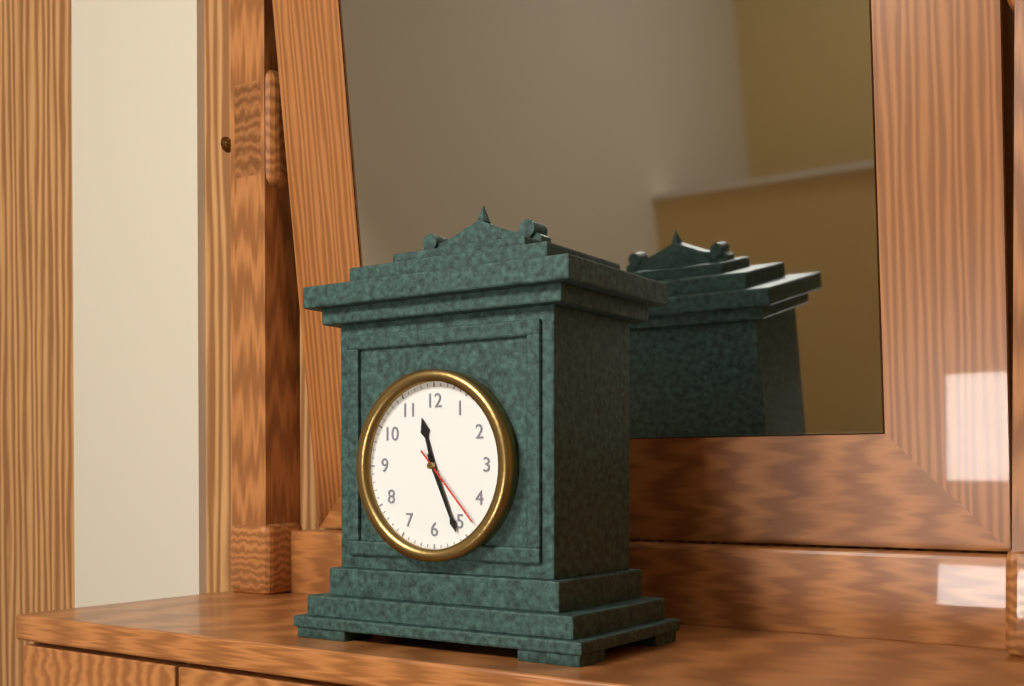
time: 11:26:23
